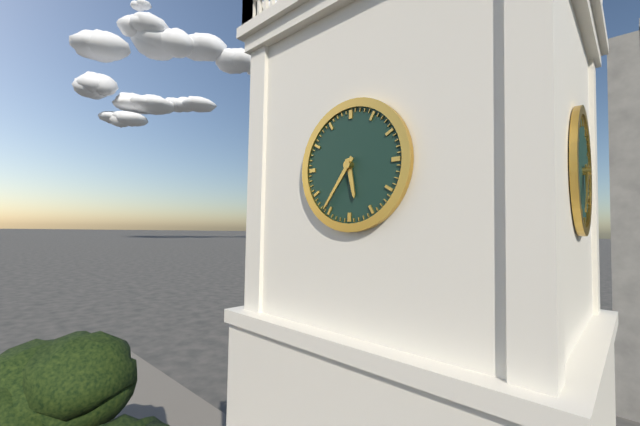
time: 5:36
